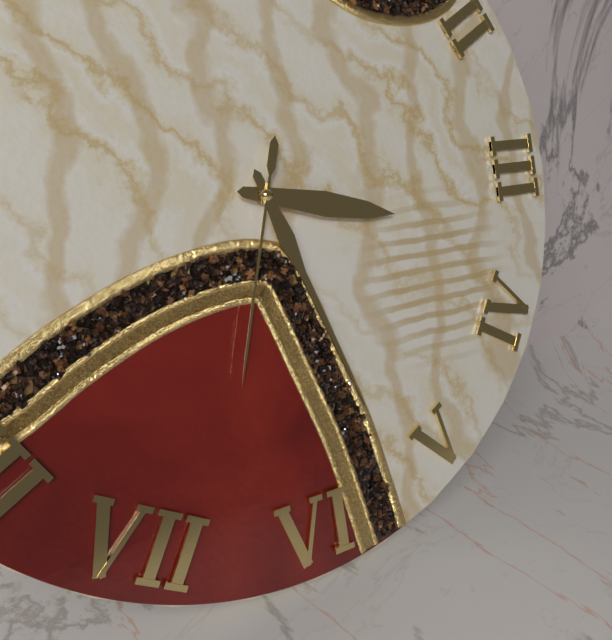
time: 3:27:33
